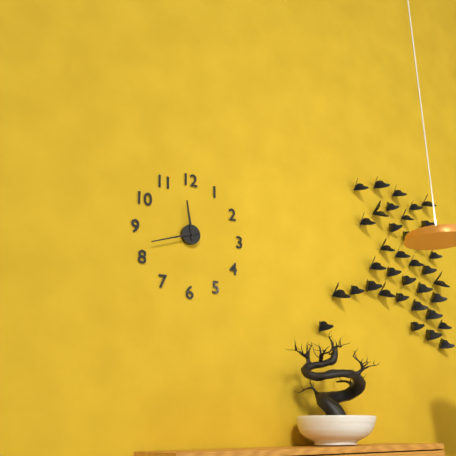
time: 11:42
